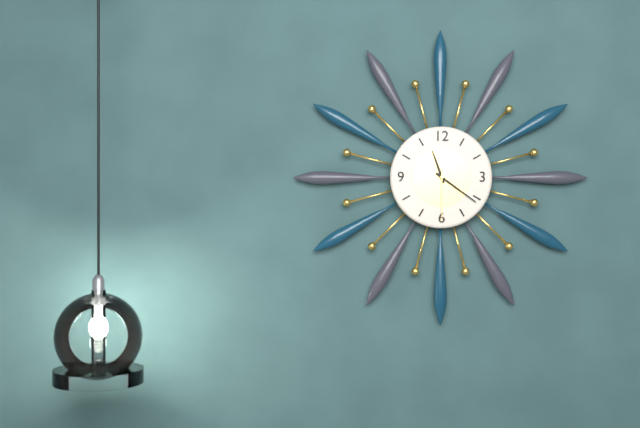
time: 11:21:30
